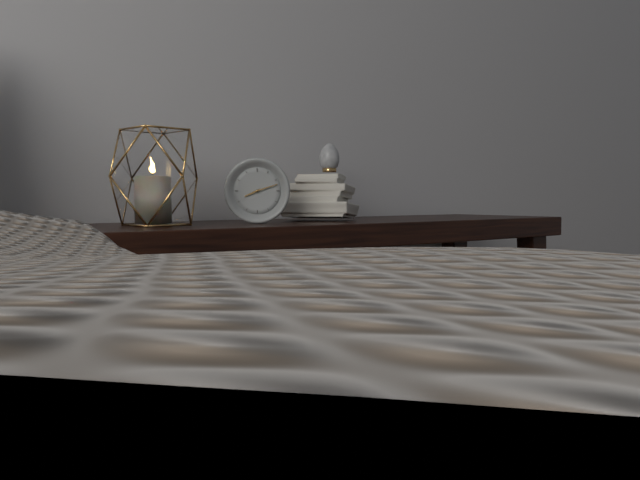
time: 8:12
